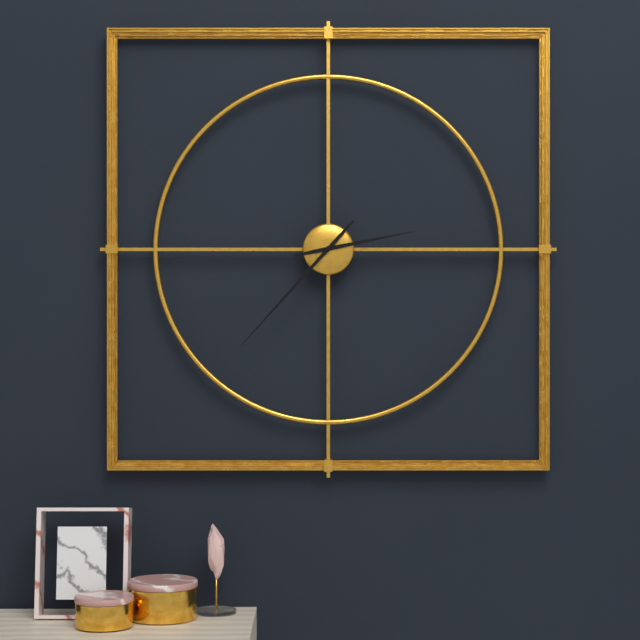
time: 2:37
